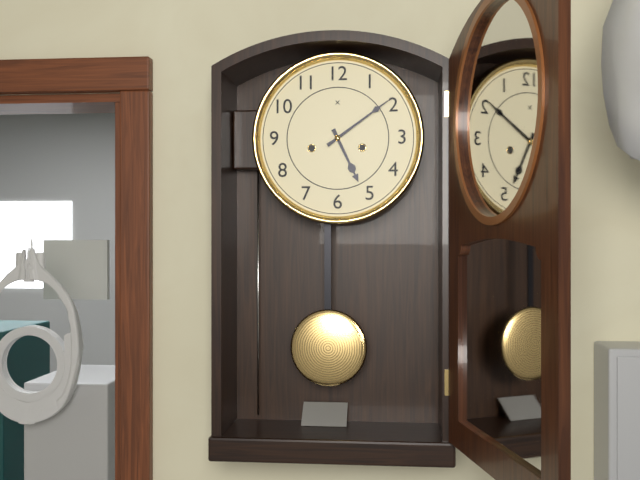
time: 5:09
